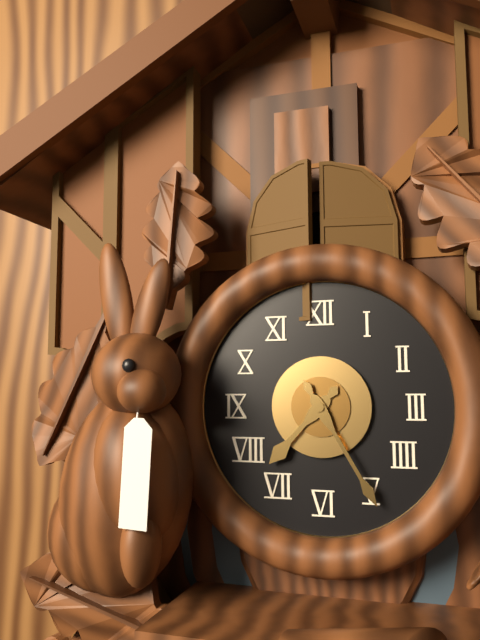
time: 7:25
